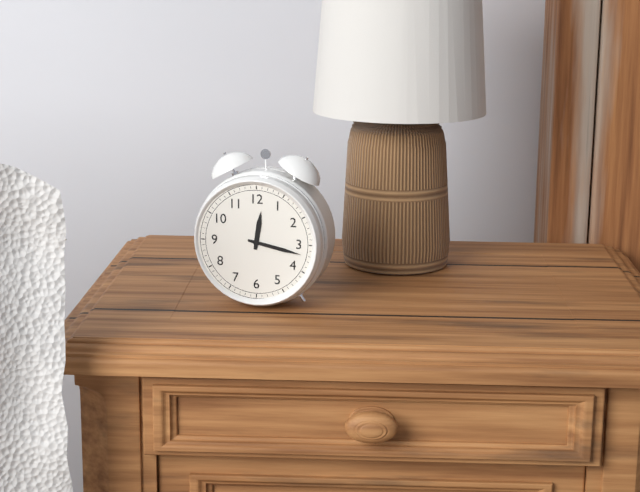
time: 12:17
